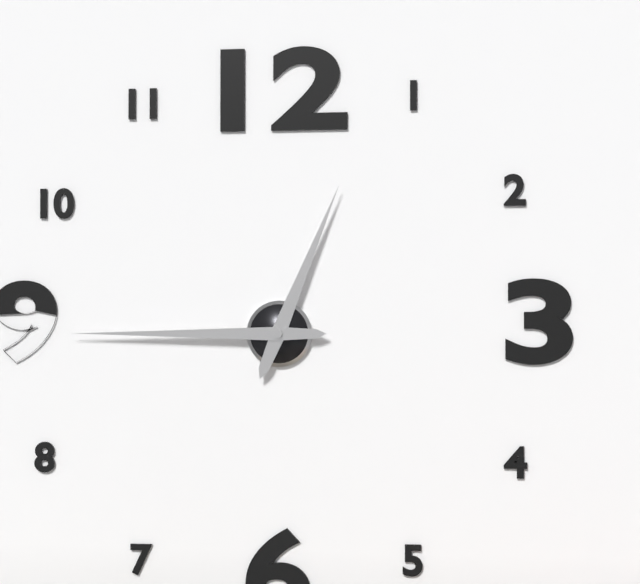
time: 12:45
